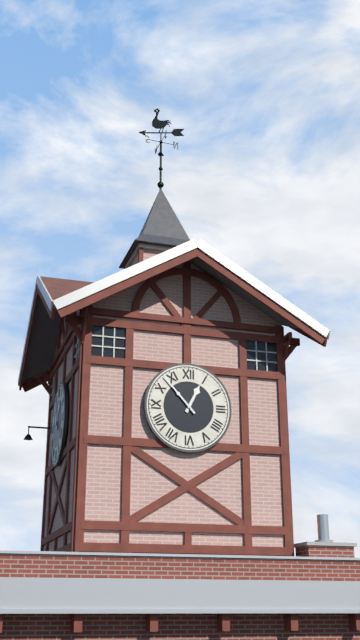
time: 12:53
